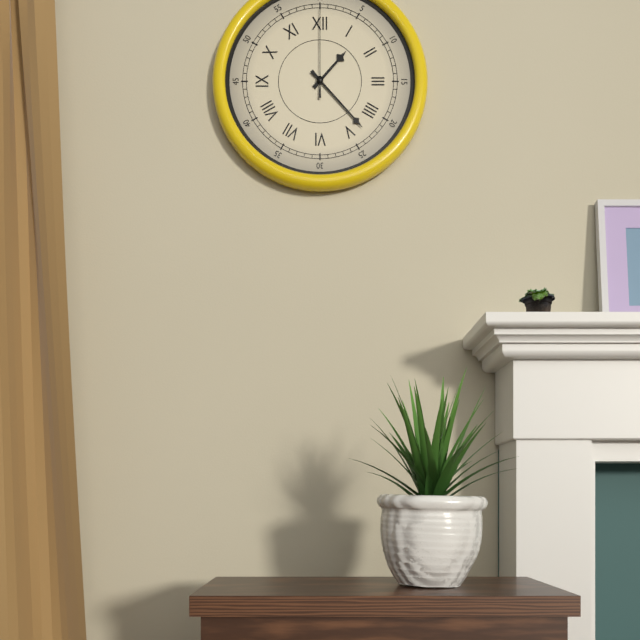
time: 1:23:00
